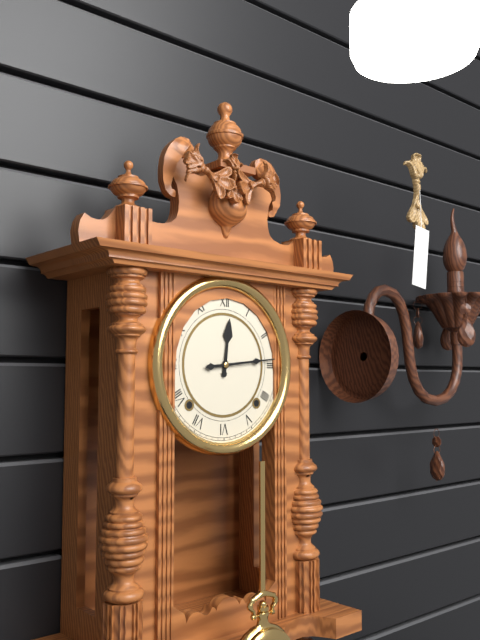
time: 12:14
